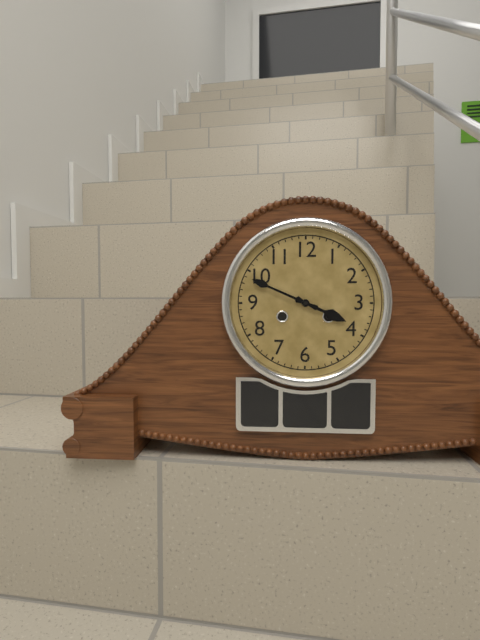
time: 3:49
